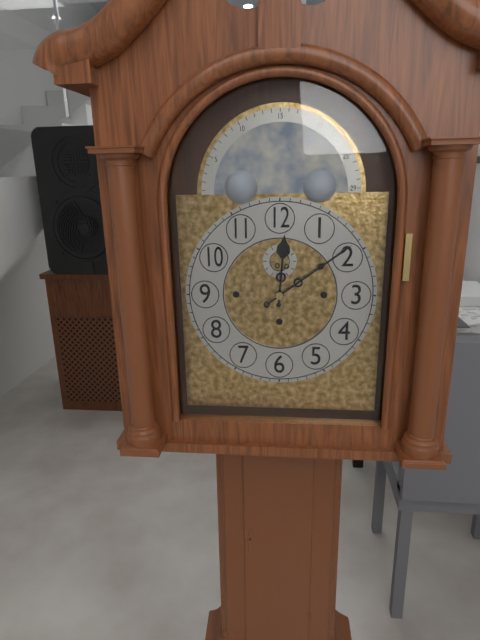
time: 12:09
